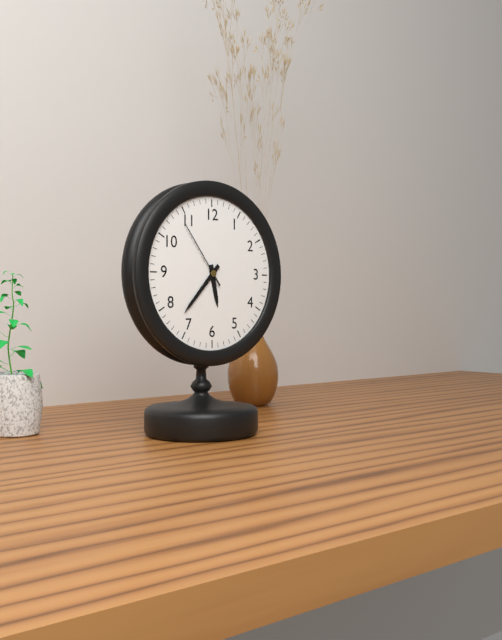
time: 5:37:54
